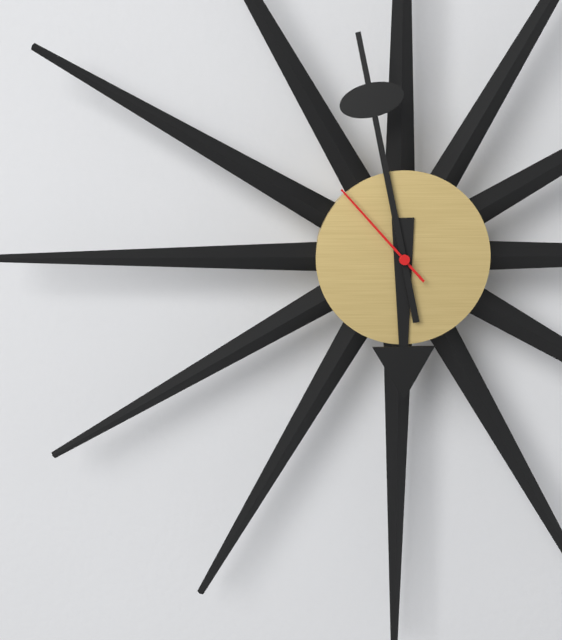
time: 5:58:53
